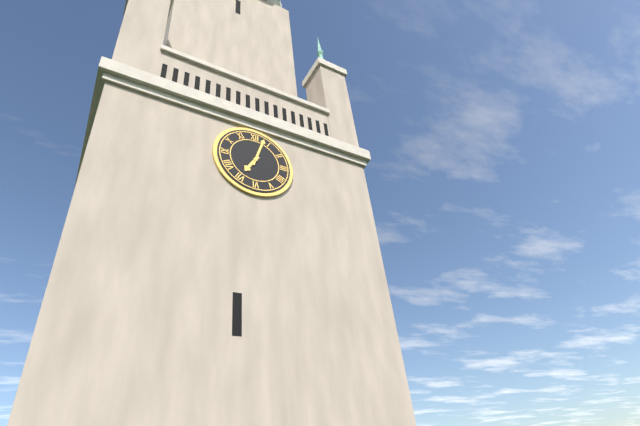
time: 7:03
